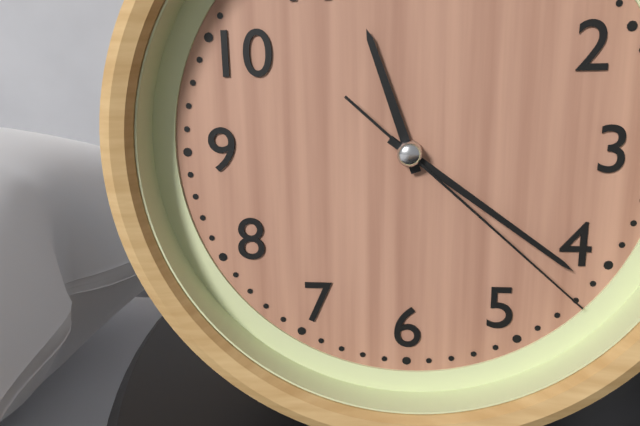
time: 11:21:22
